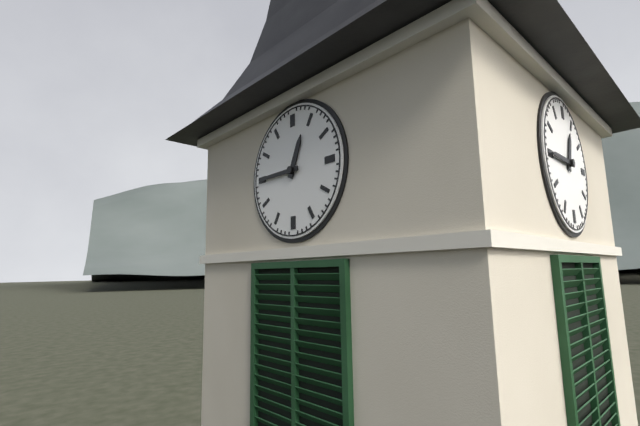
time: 12:45
